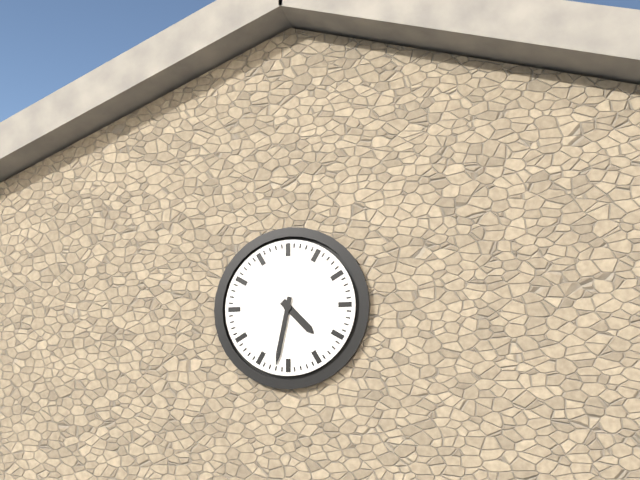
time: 4:32
